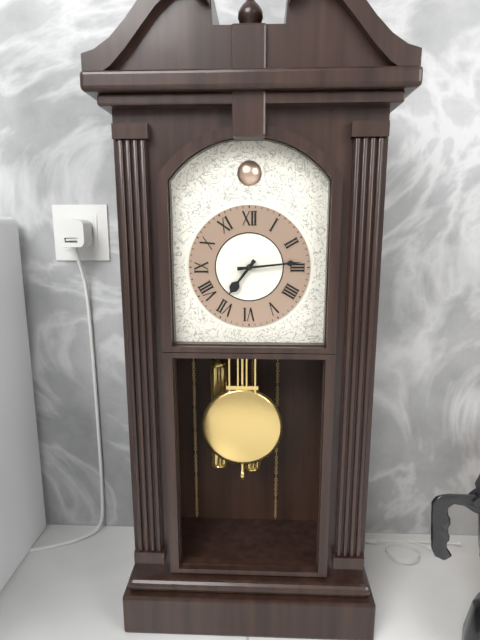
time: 7:14
